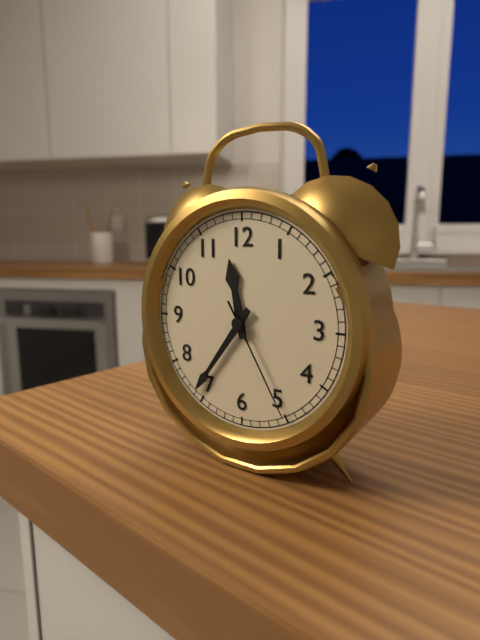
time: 11:36:25
